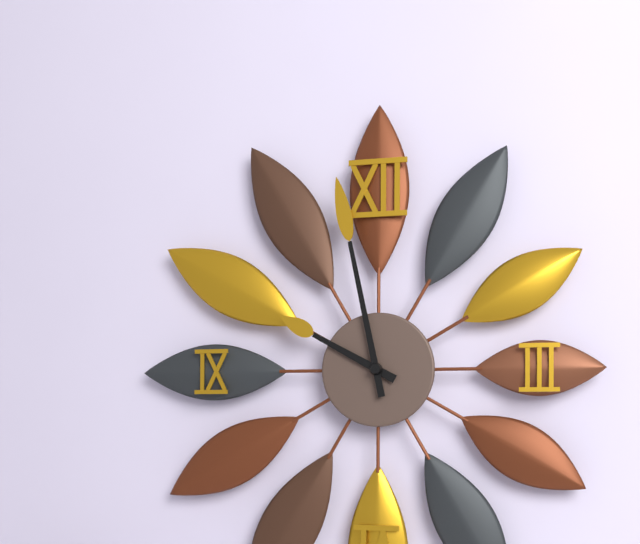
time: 9:58
